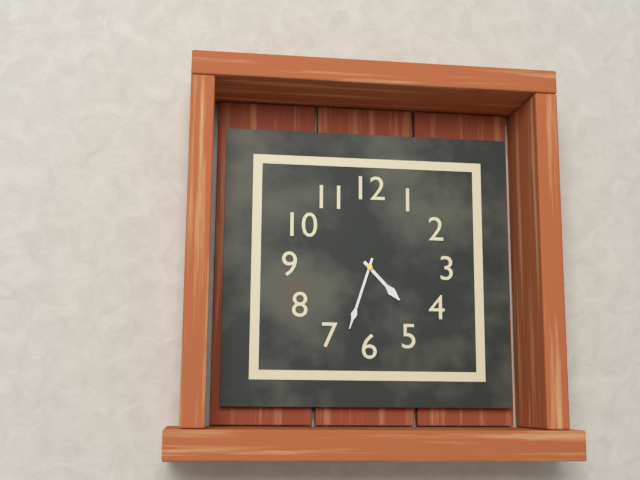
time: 4:33
